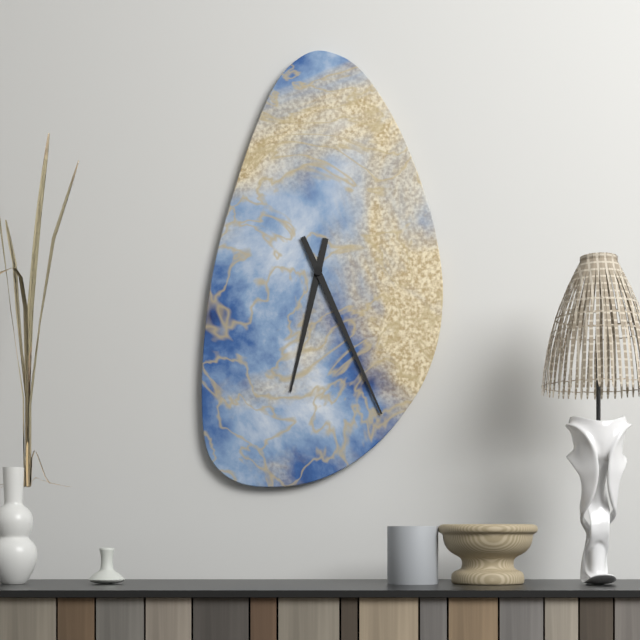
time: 6:26
